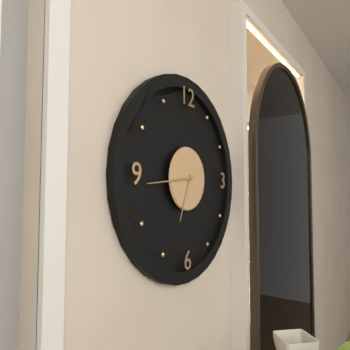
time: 6:44
